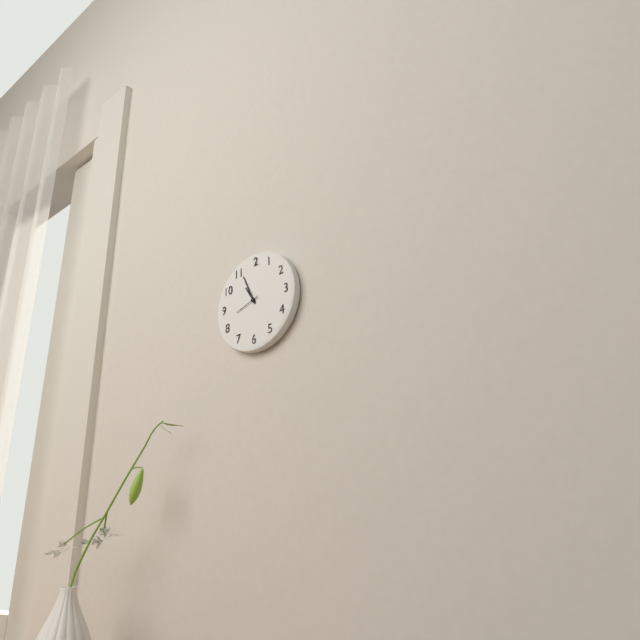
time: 10:56
